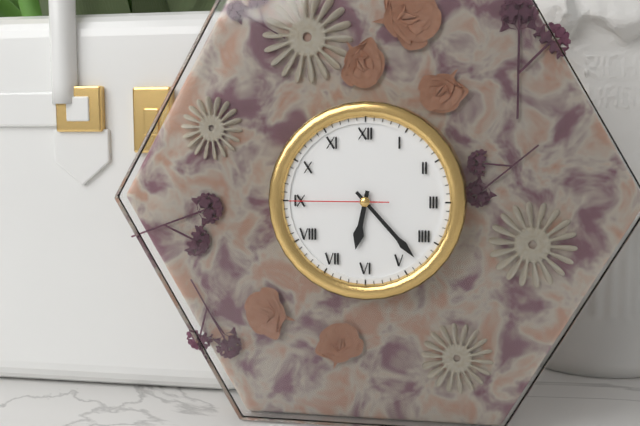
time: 6:23:45
